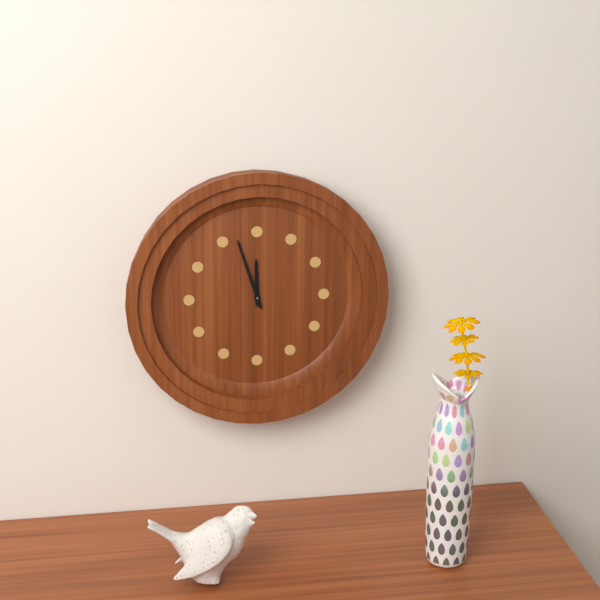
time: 11:57
